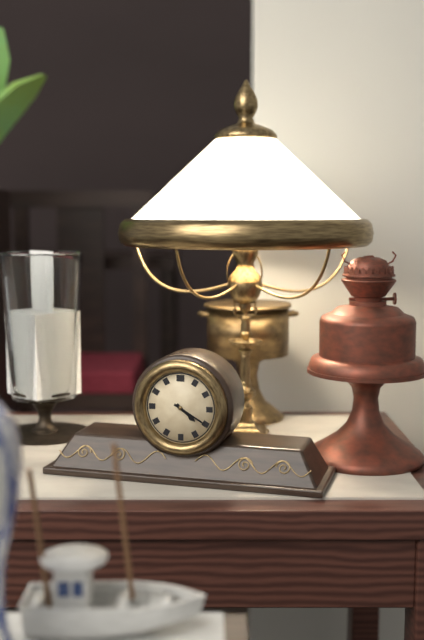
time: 4:20
